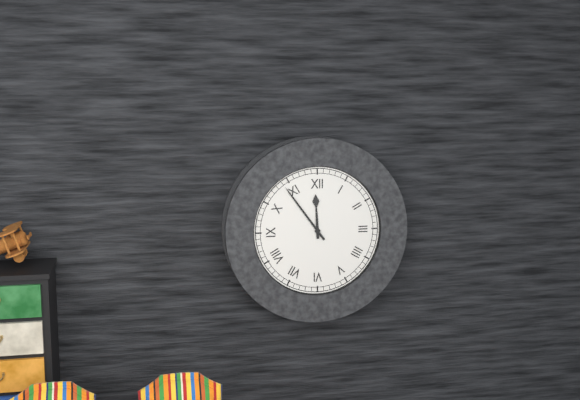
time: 11:54
